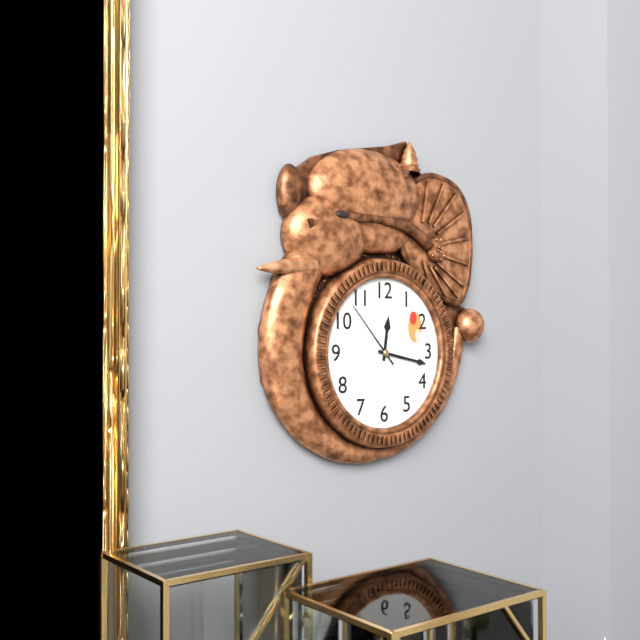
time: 12:17:53
